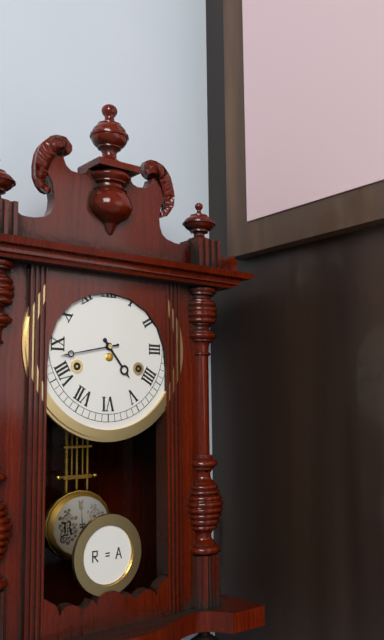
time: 4:43
